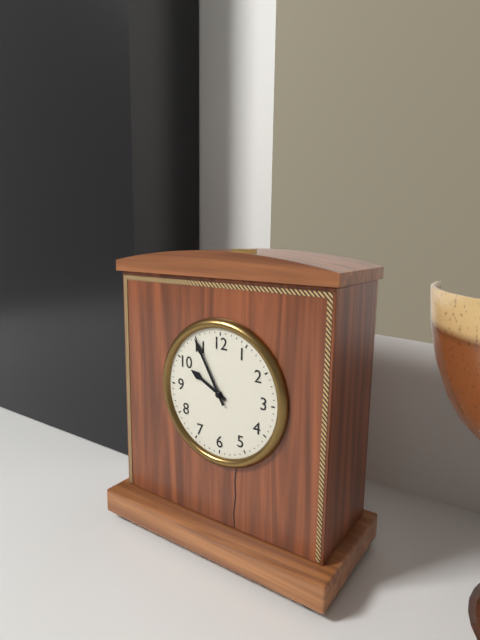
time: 9:55
